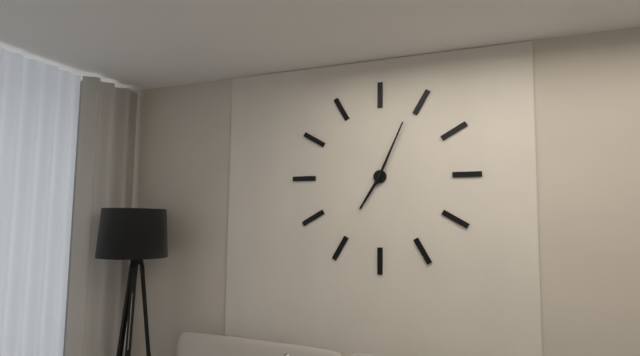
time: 7:04
